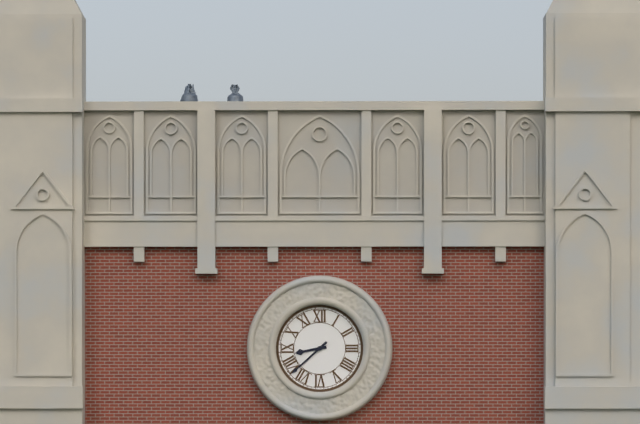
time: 8:38
